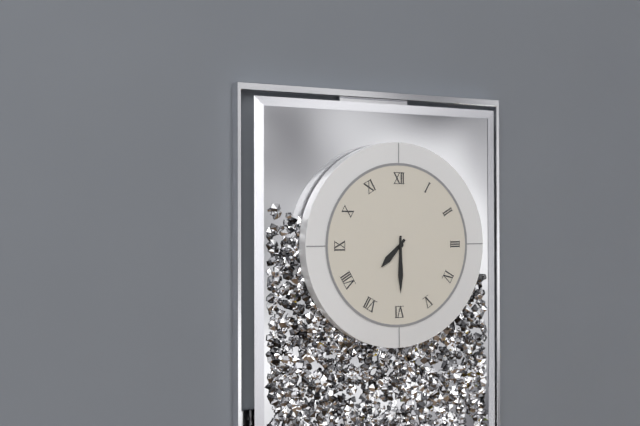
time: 7:30
